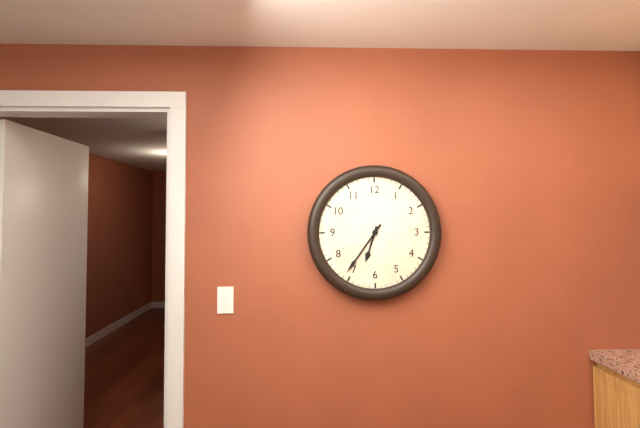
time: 6:36
